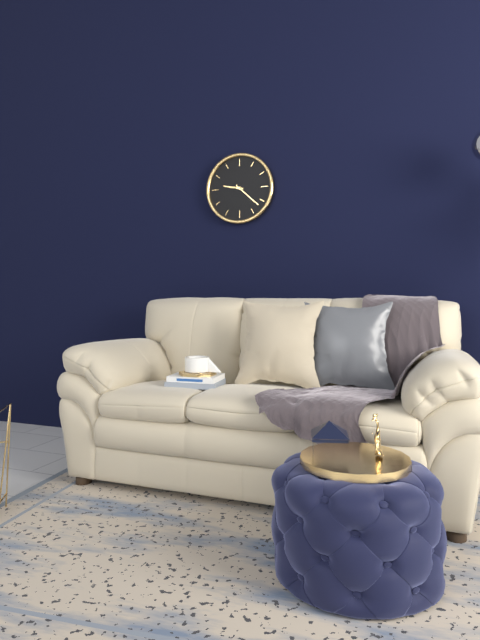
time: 9:22
